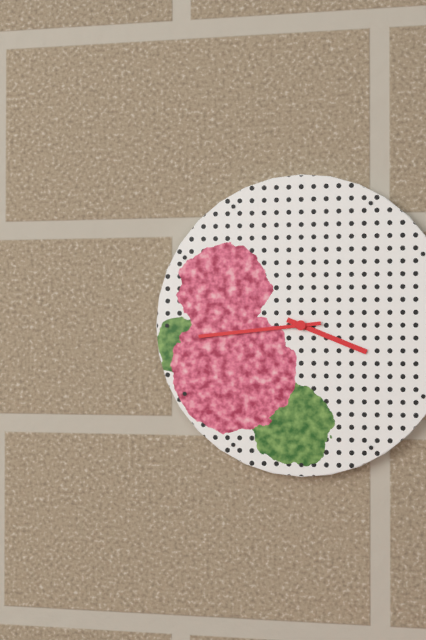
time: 3:44
